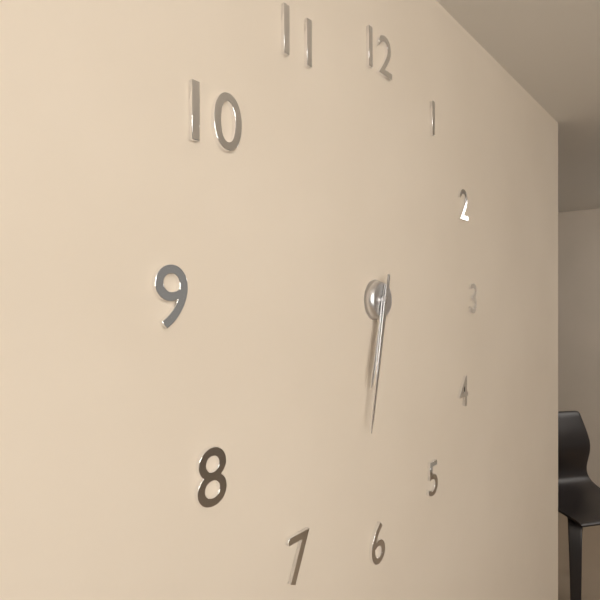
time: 6:32
